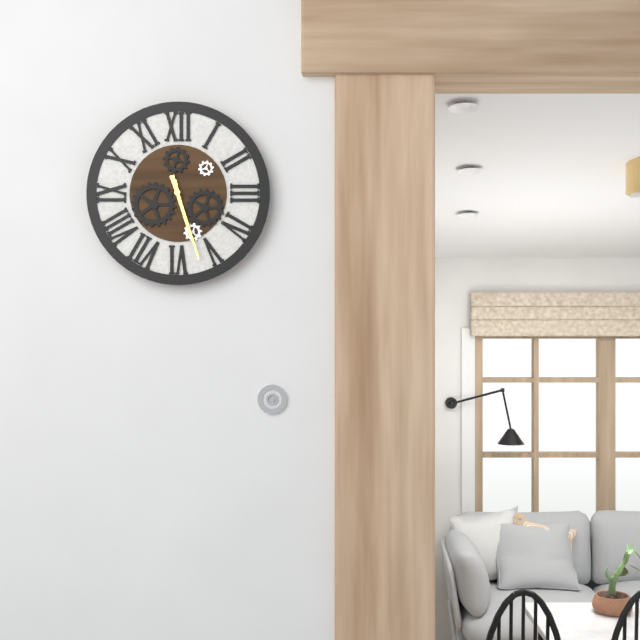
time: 5:27
